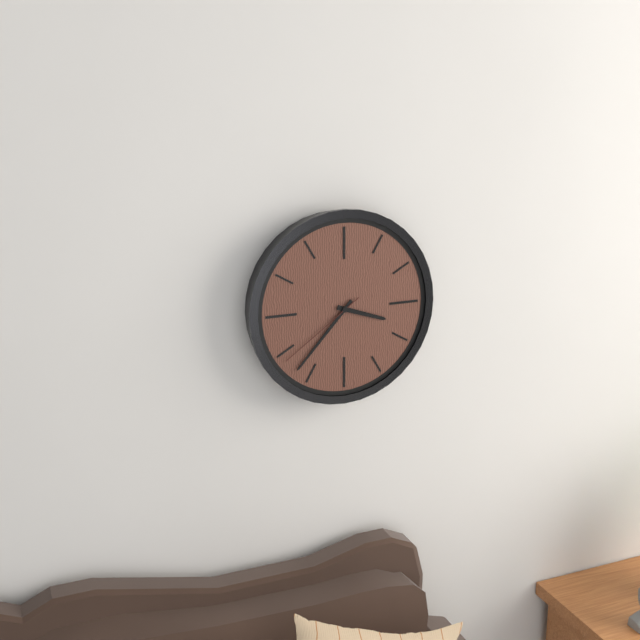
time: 3:37:39
